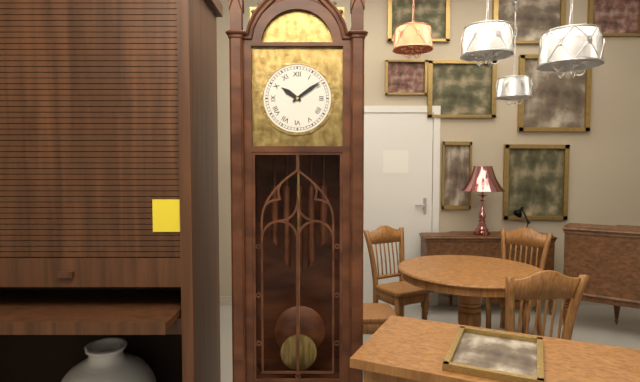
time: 10:09
